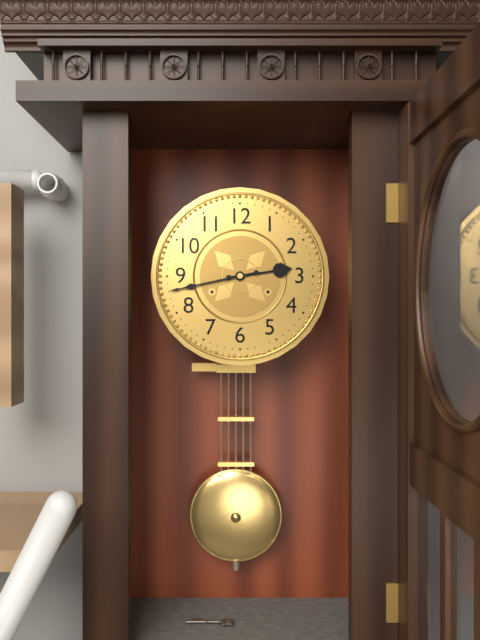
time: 2:43
